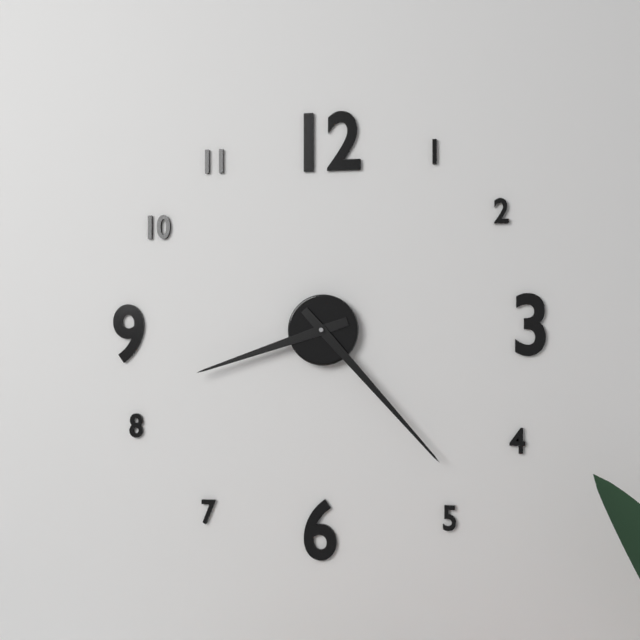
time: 8:23
